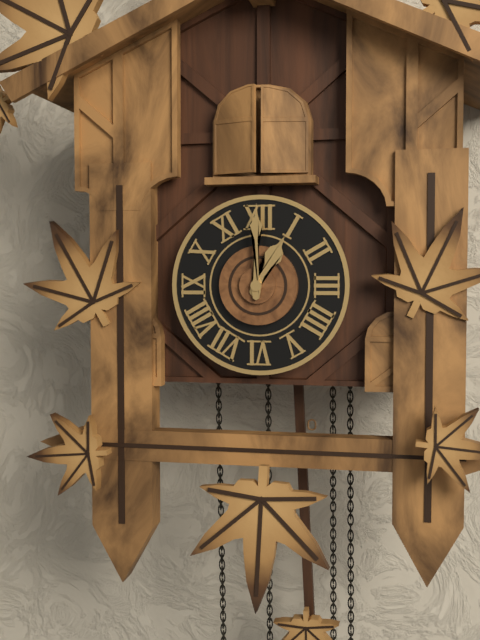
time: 1:00
